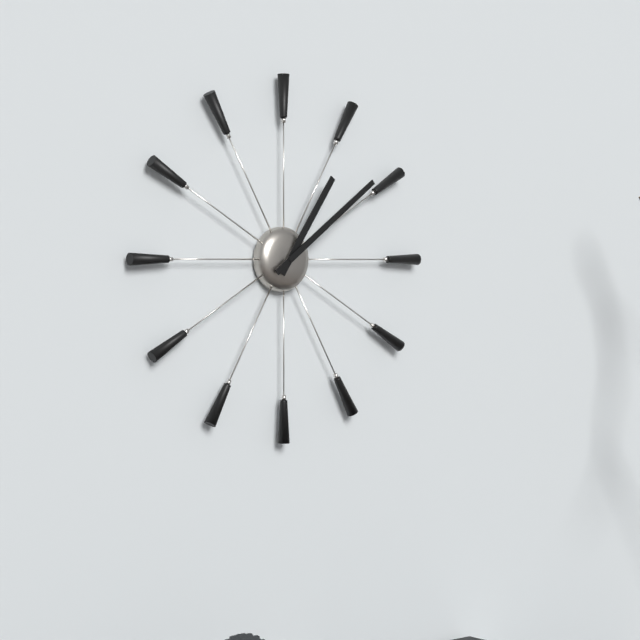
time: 1:09
